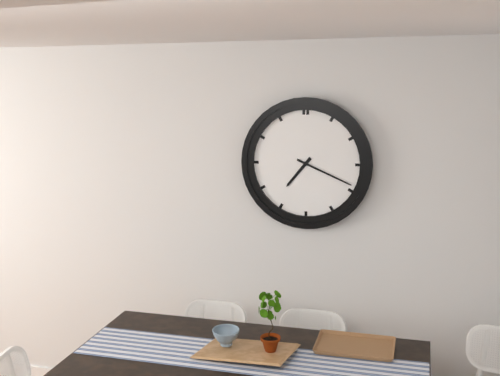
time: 7:19
